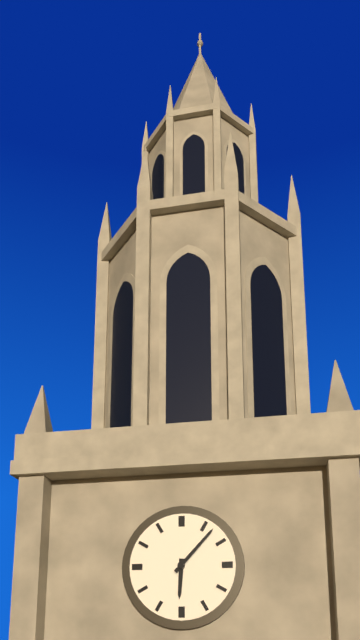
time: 6:07
